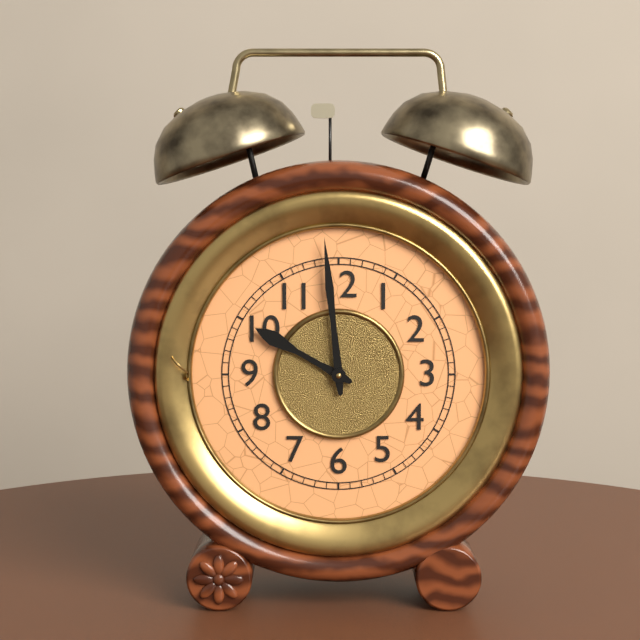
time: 9:59
